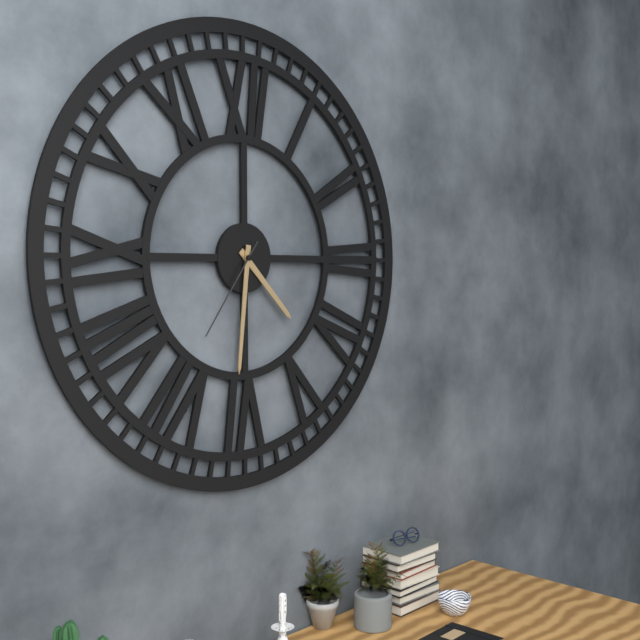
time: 4:31:36
